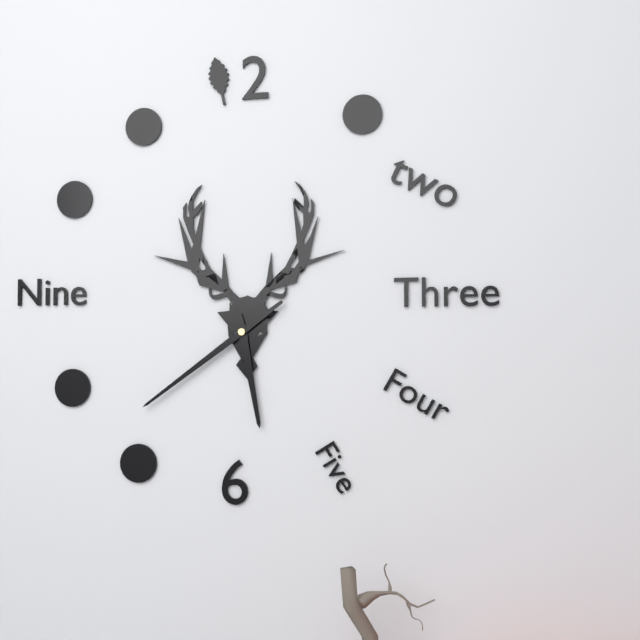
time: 5:39
